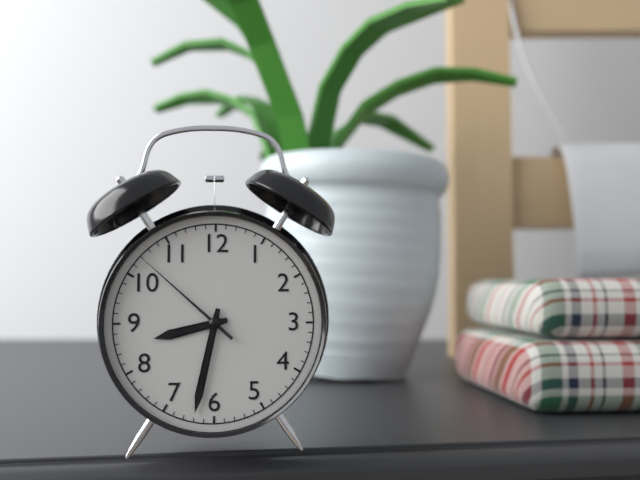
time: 8:32:52
